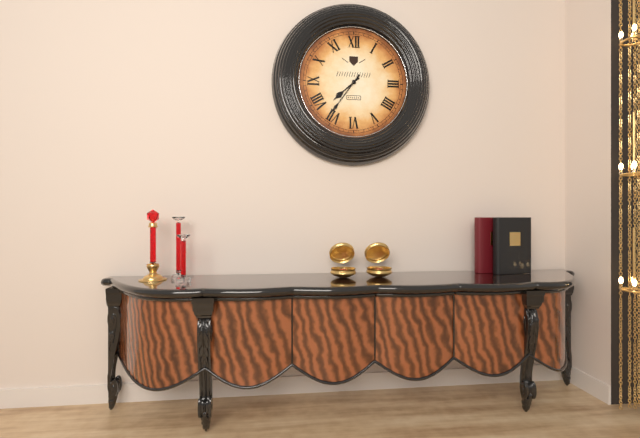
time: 7:36
